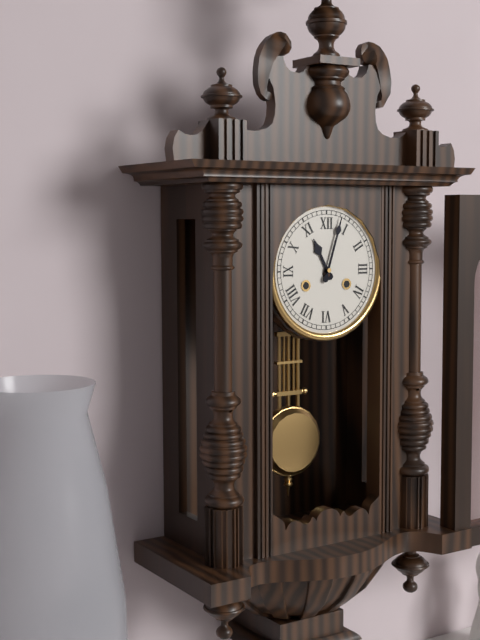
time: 11:03
